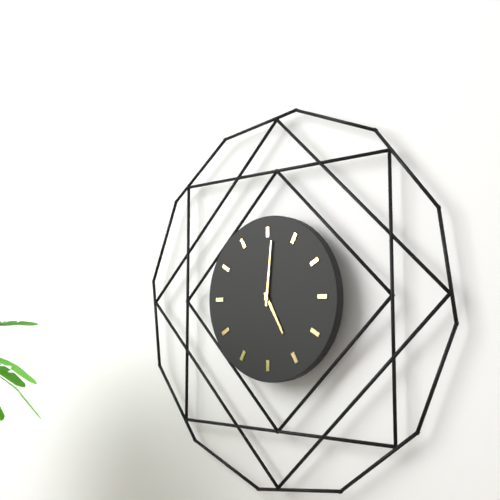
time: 5:01
